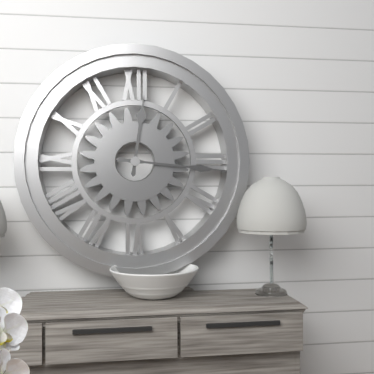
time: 12:16
